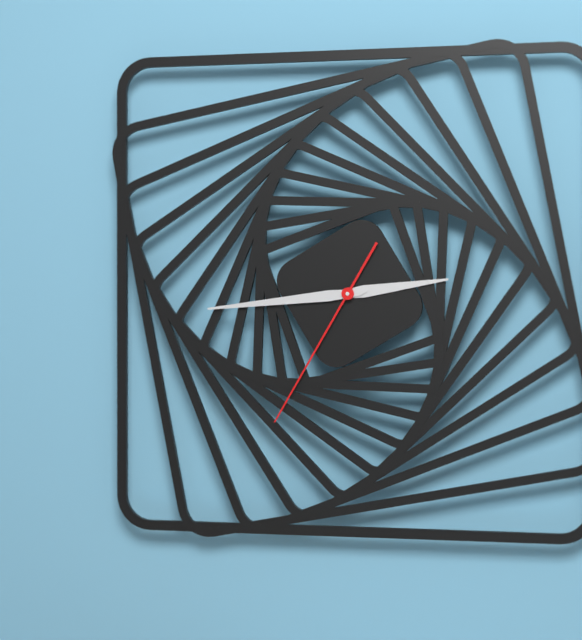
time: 2:44:35
